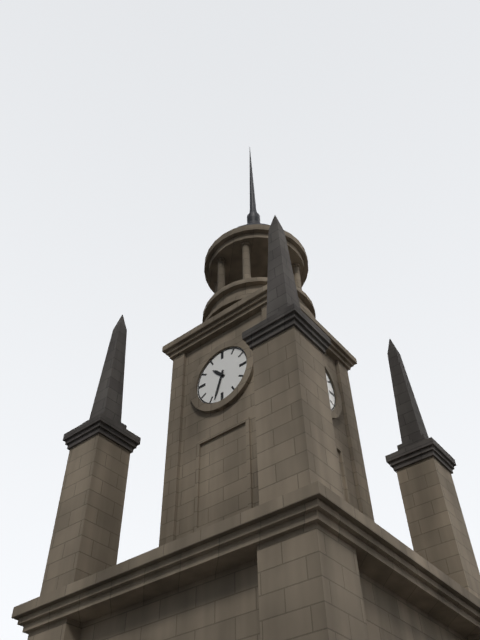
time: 10:33
